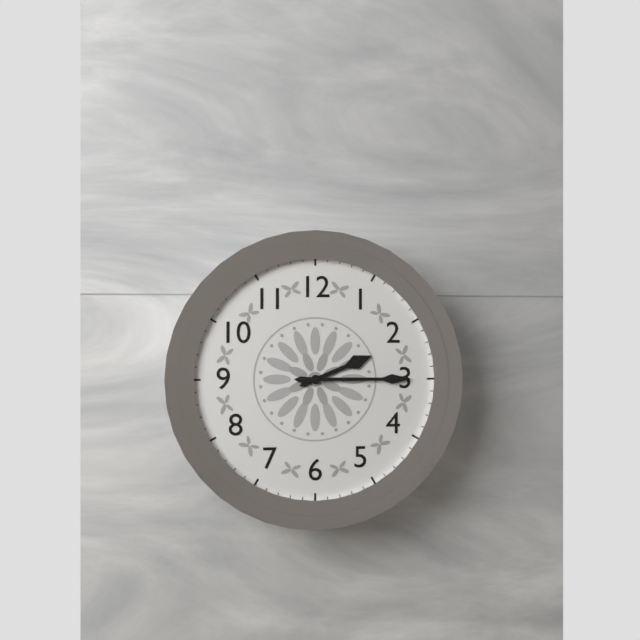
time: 2:15
